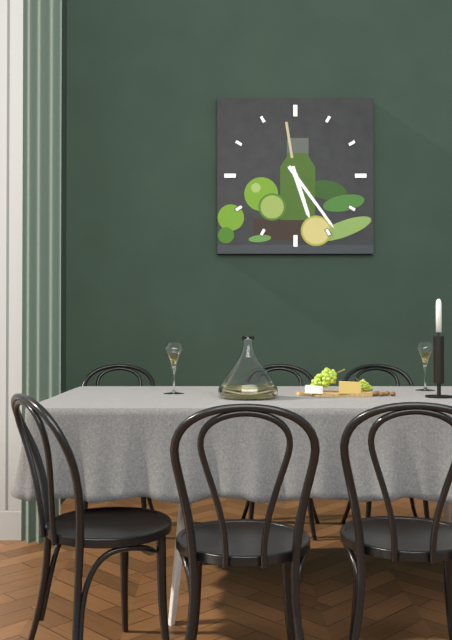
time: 5:24
